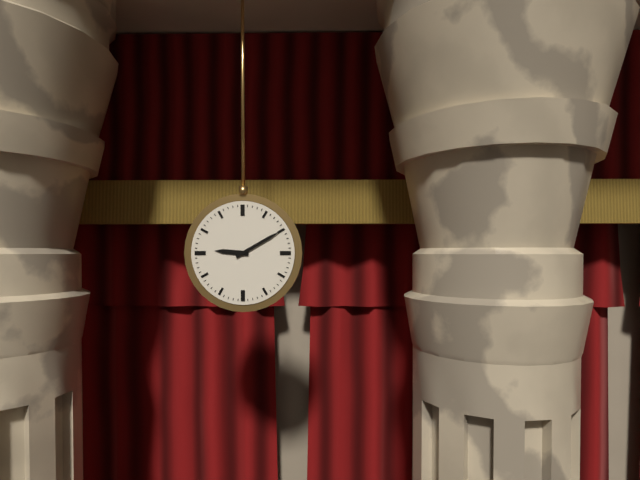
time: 9:10
